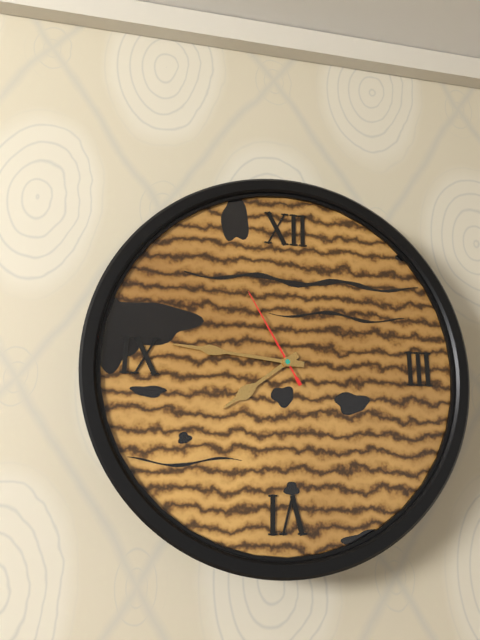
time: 7:46:55
